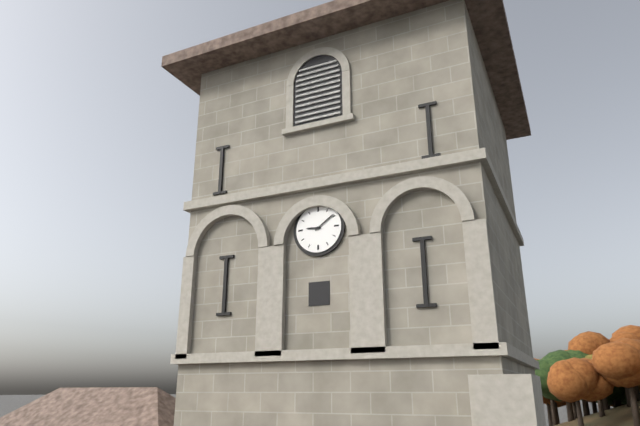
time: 9:09
